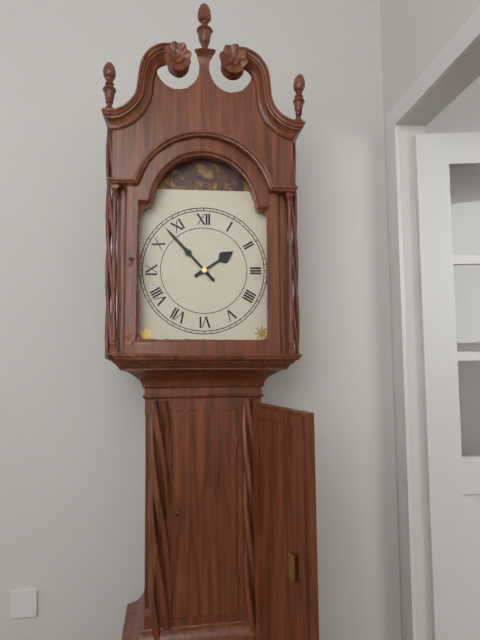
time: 1:53
